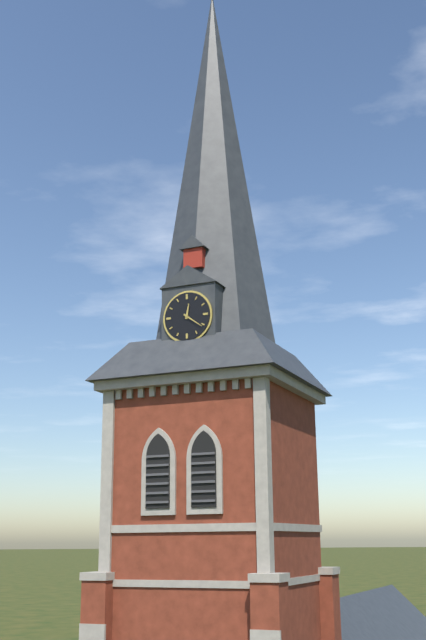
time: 12:21
